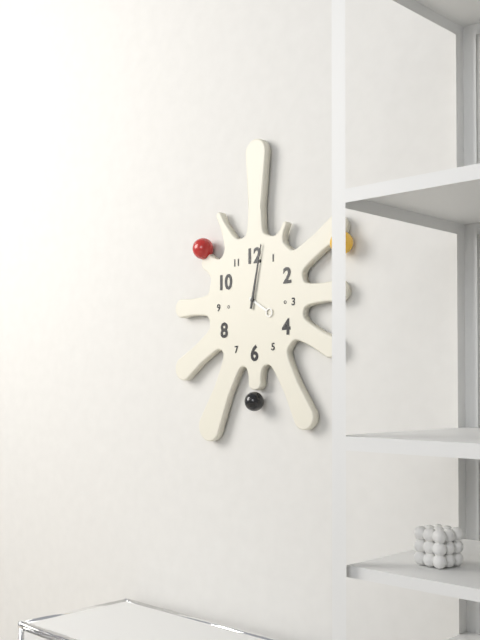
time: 4:02
